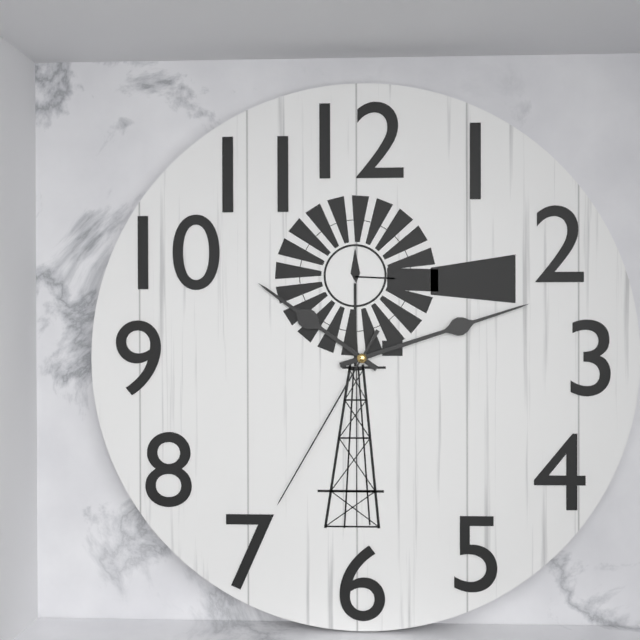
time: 10:12:35
